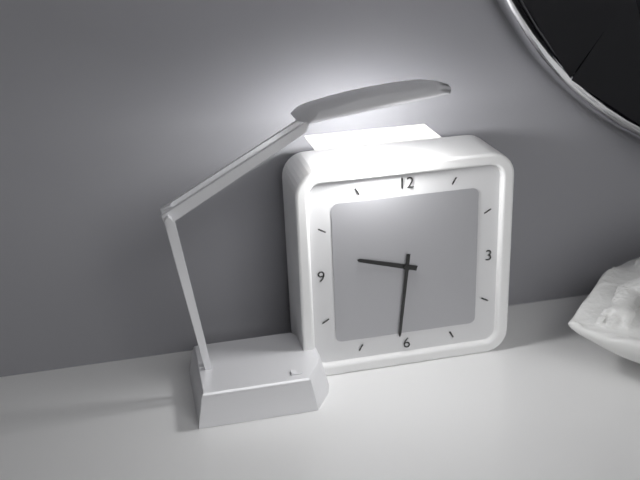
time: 9:31
